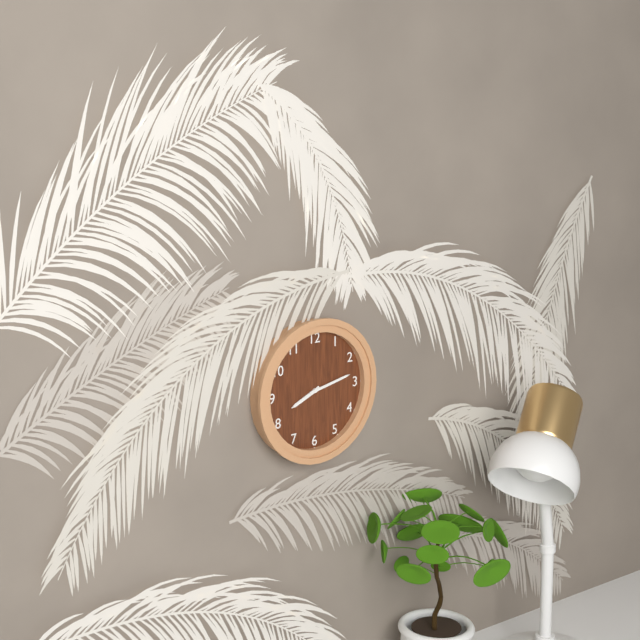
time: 8:13
